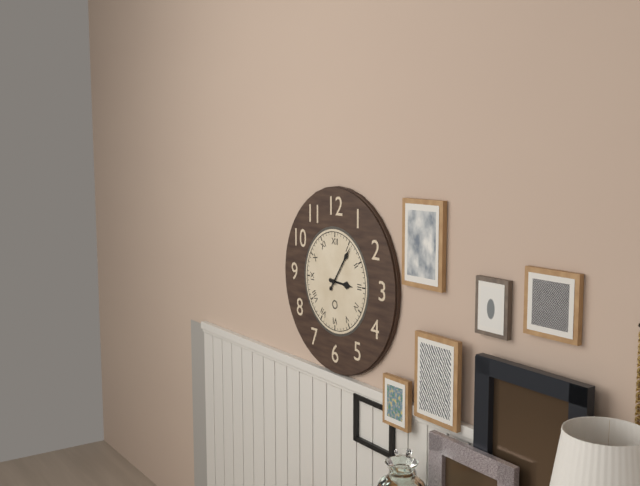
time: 3:06
